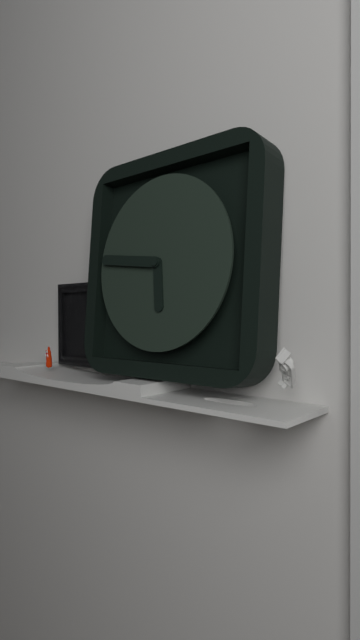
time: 5:46
